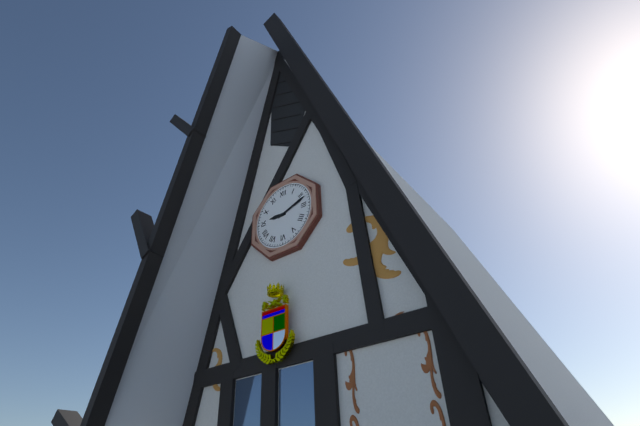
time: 9:12
